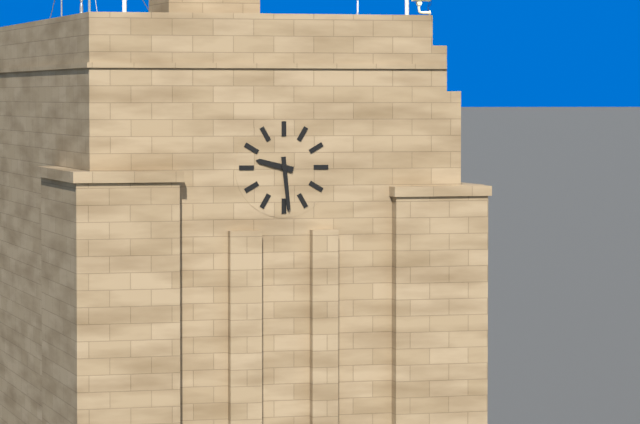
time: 9:29
